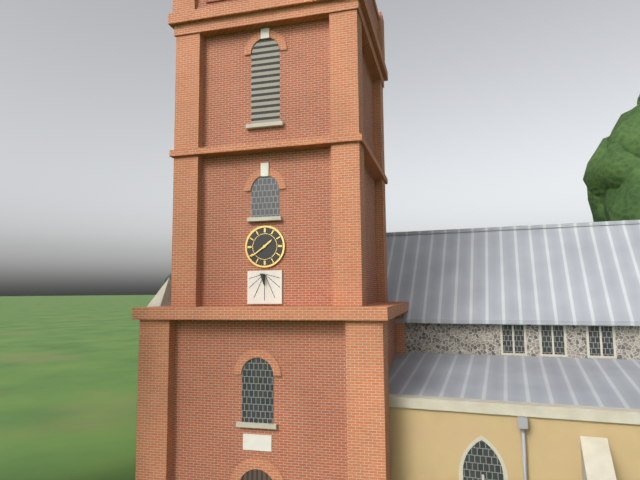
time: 1:39
